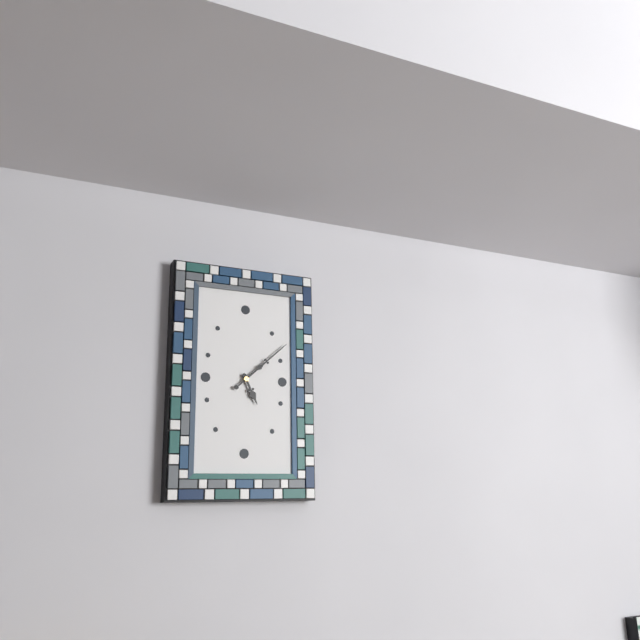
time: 5:08
